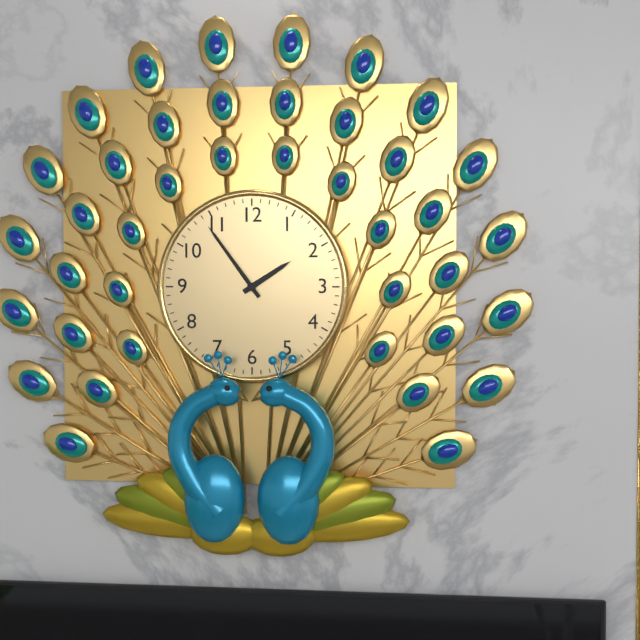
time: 1:54
